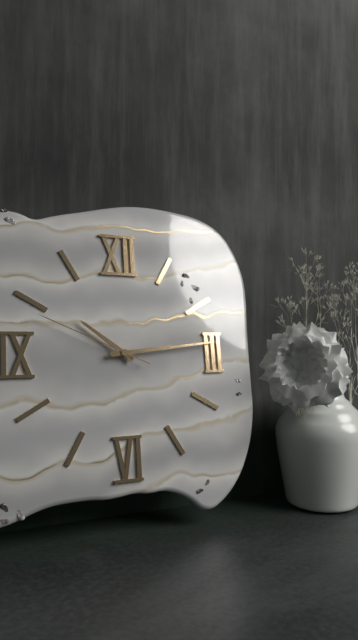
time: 10:14:49
